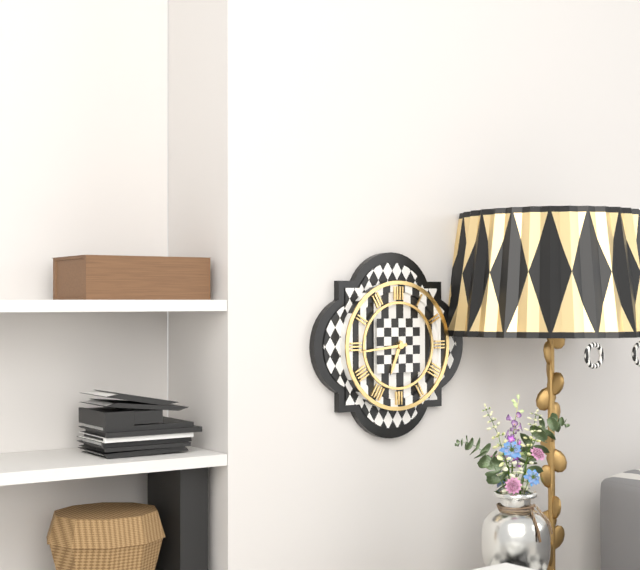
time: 6:44
